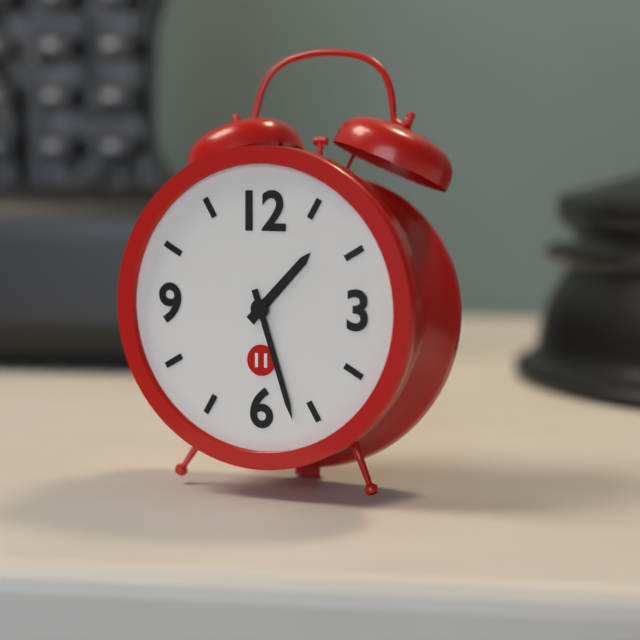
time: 1:27
